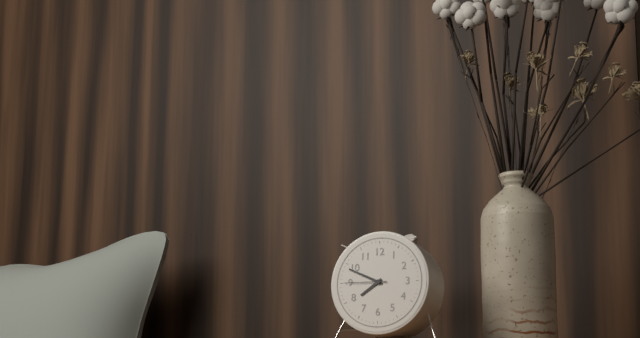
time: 7:49
